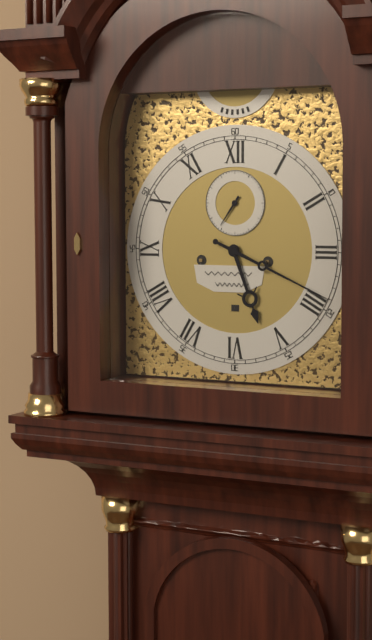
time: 5:19
